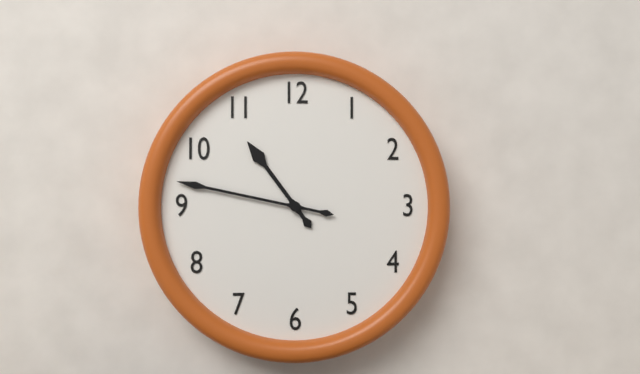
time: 10:47
